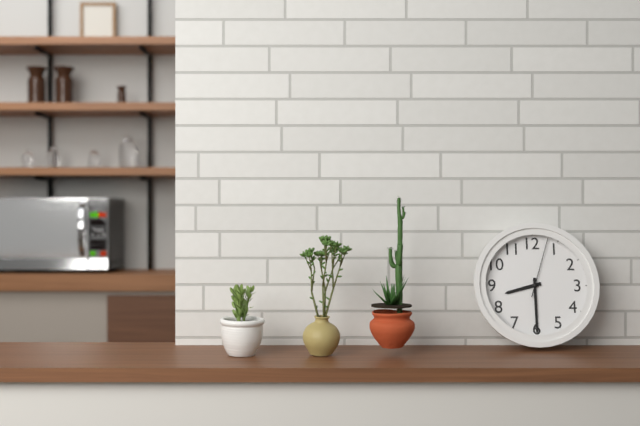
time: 8:30:03
